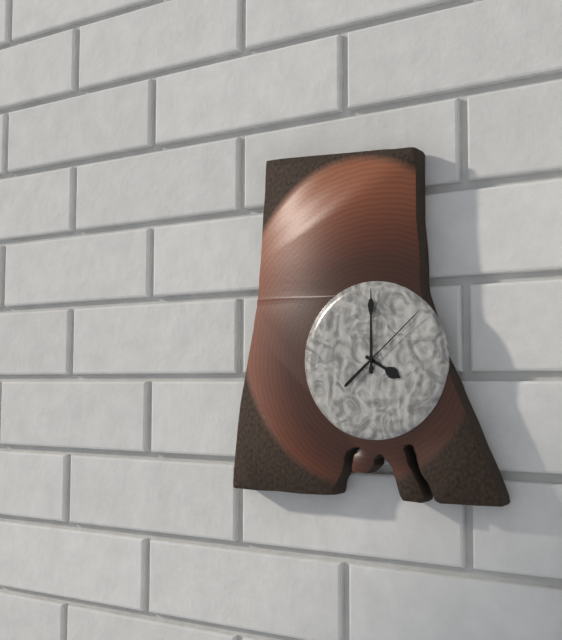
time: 4:00:08
